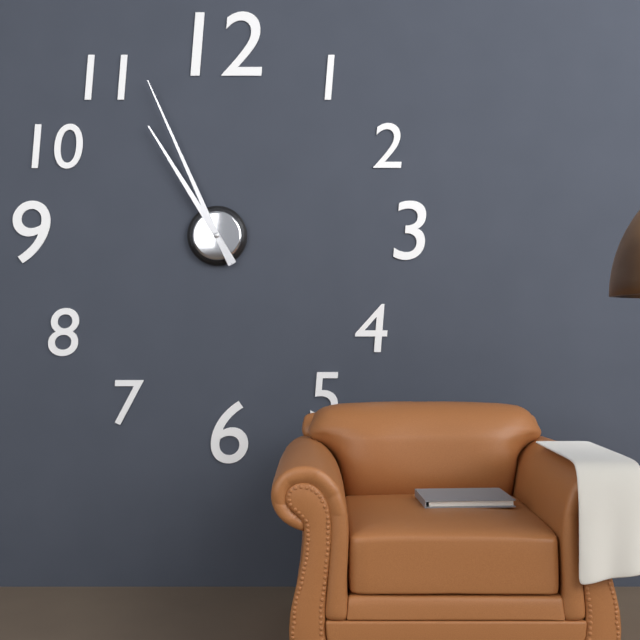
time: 10:56
